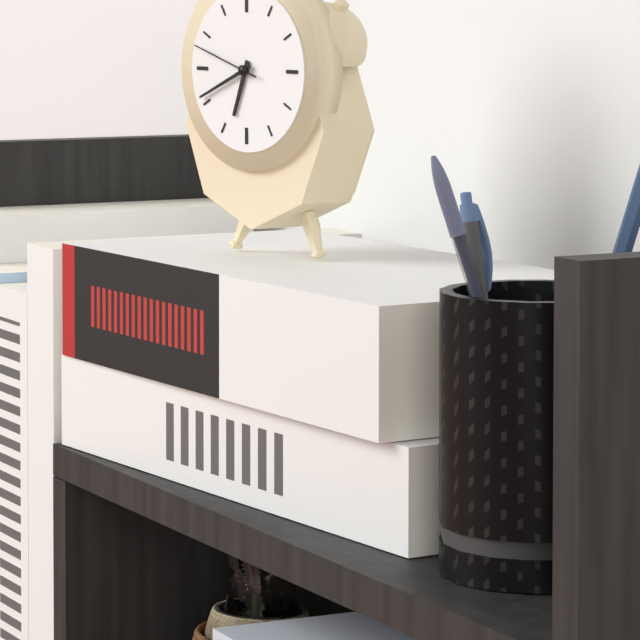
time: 6:41:48
